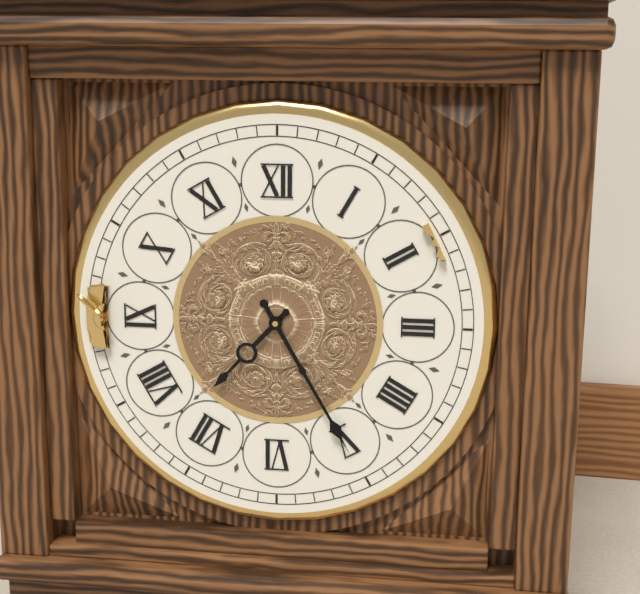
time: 7:25
